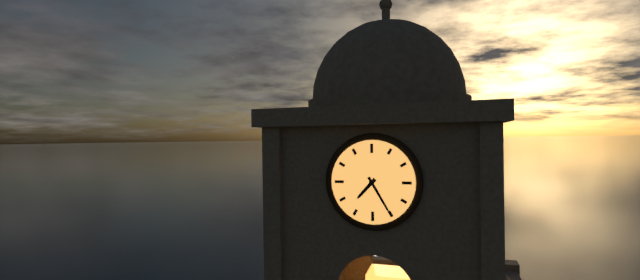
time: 7:25
